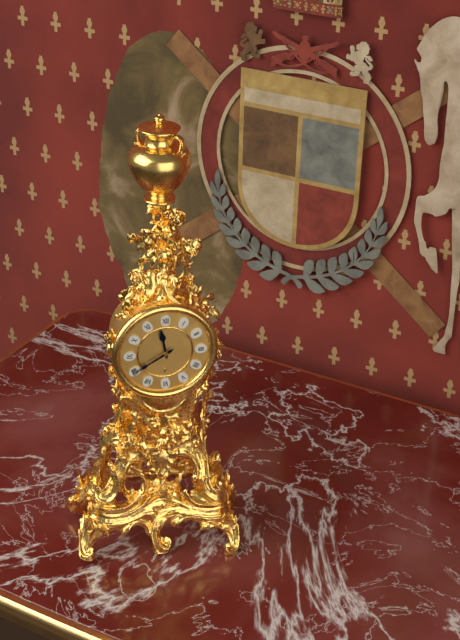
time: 11:40
